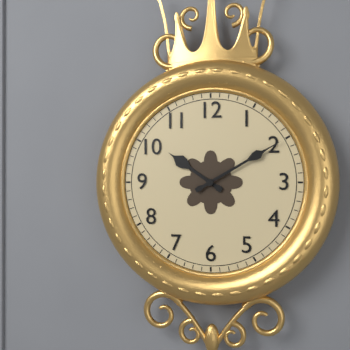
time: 10:10
